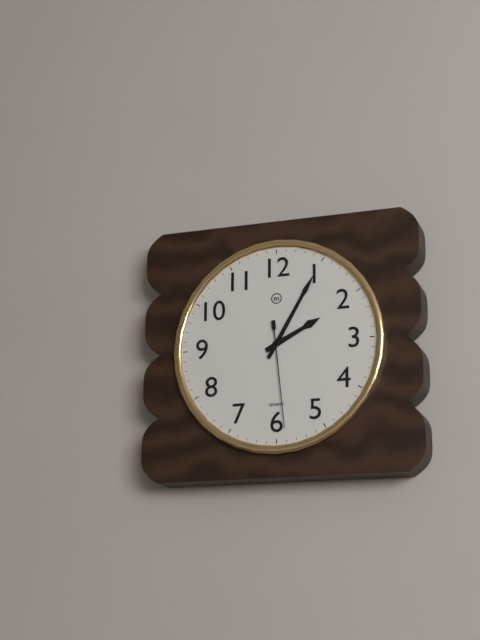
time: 2:05:29
